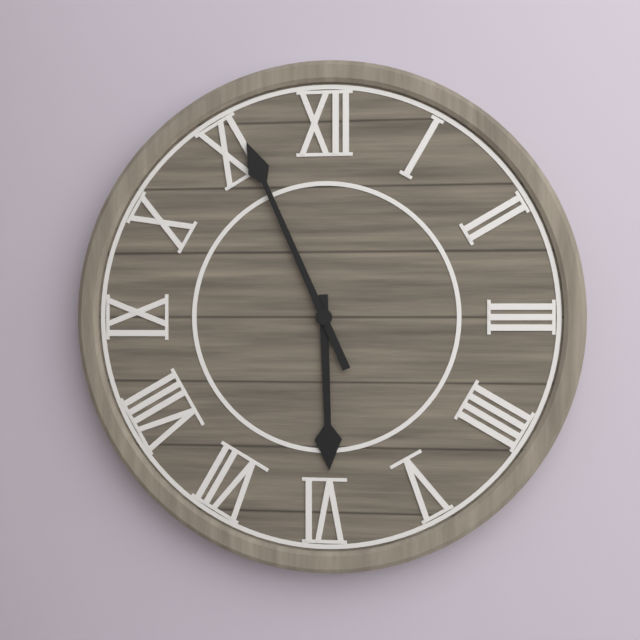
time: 5:56
